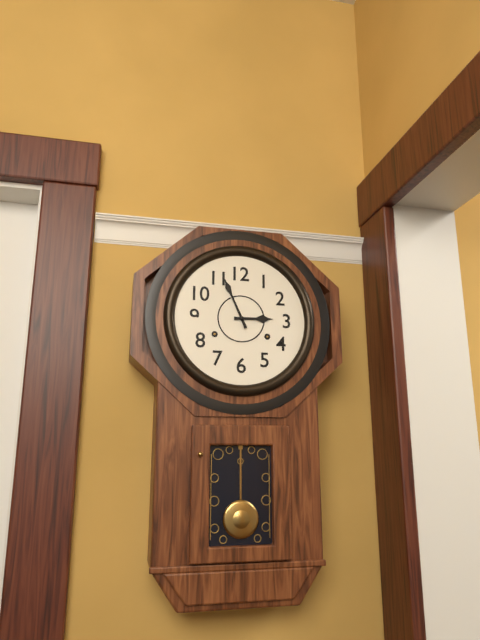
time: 2:56
